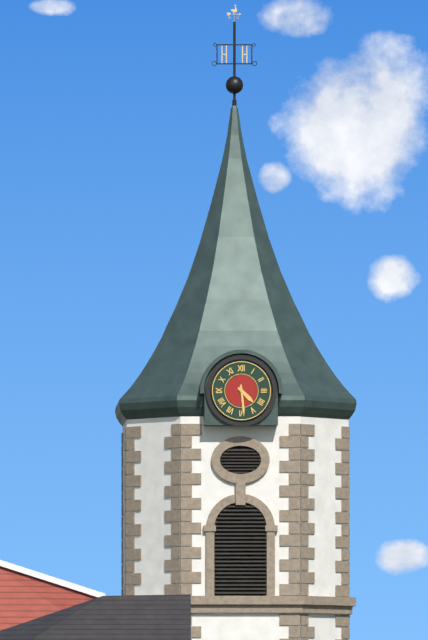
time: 4:29
